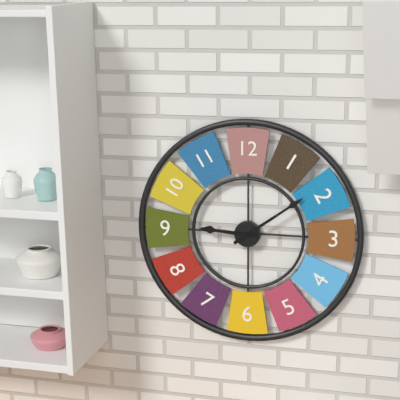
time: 9:09
